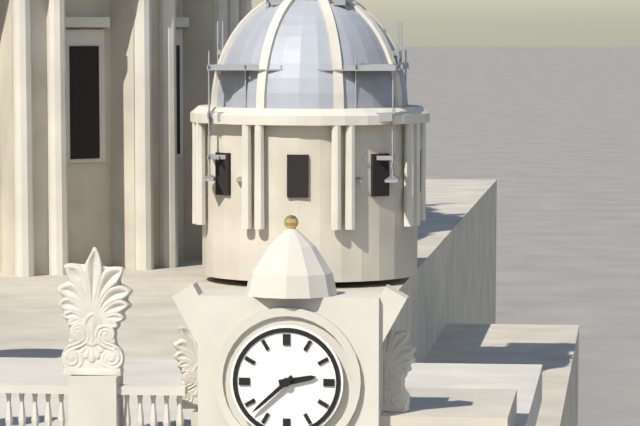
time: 2:38
